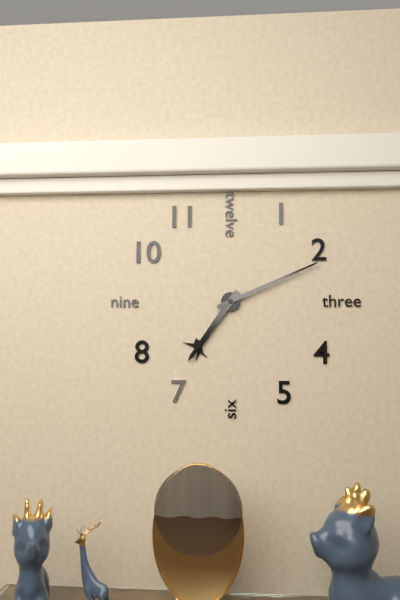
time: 7:11
